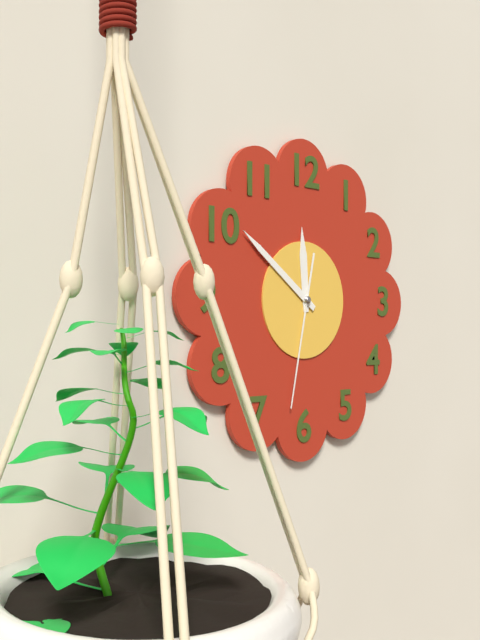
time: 11:51:32
